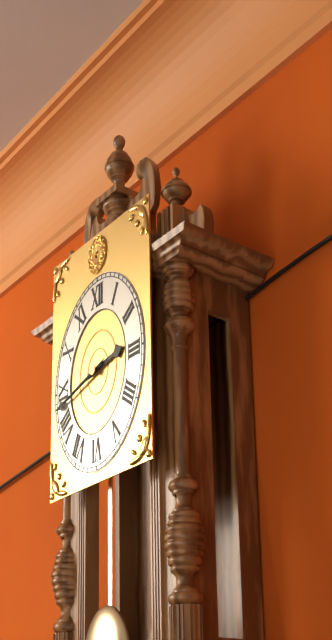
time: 2:43:43
